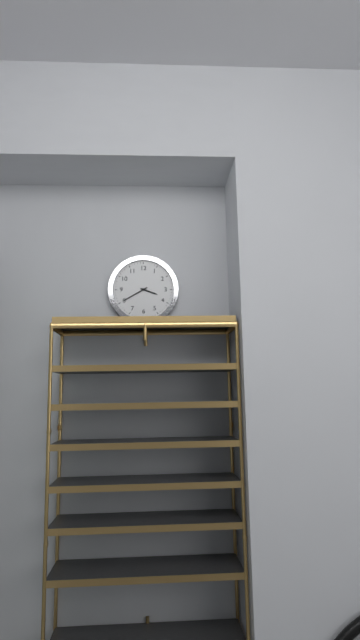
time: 3:40
